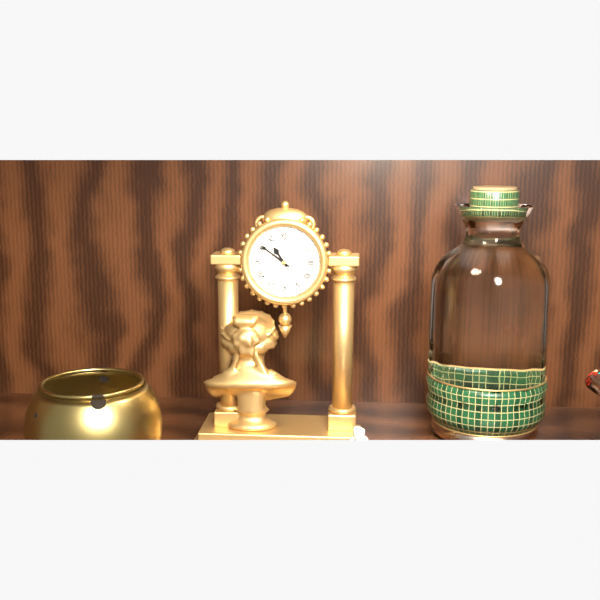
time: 10:51
